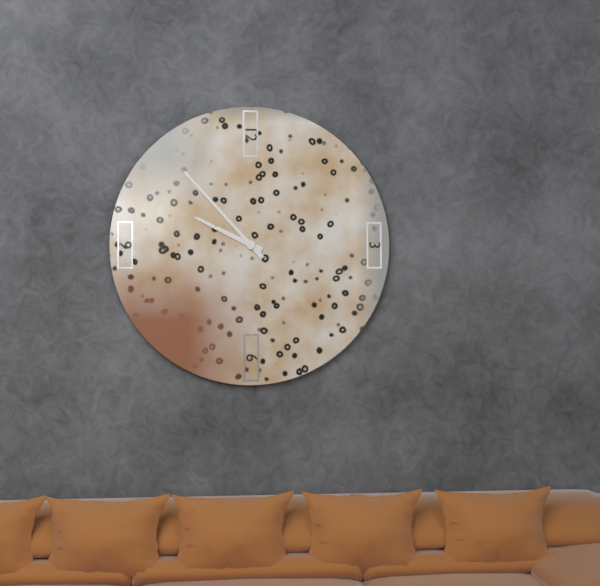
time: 9:53
